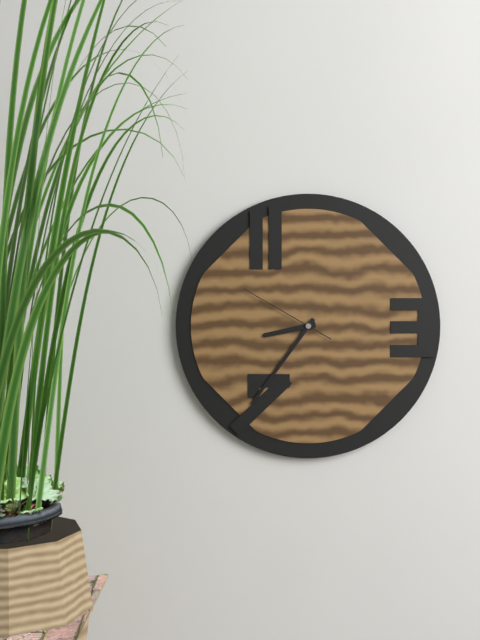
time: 8:36:50
